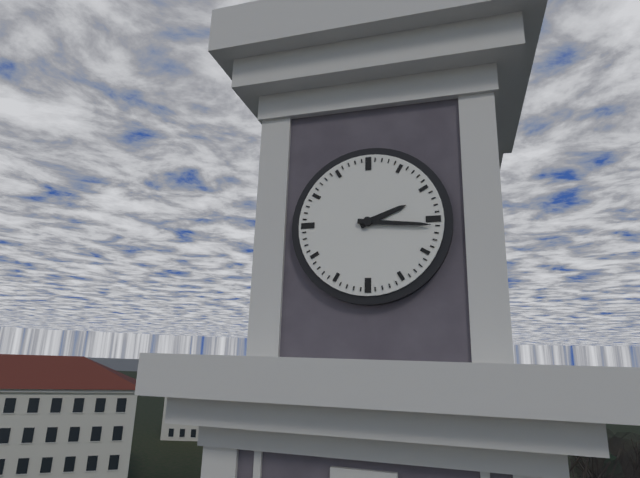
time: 2:16
